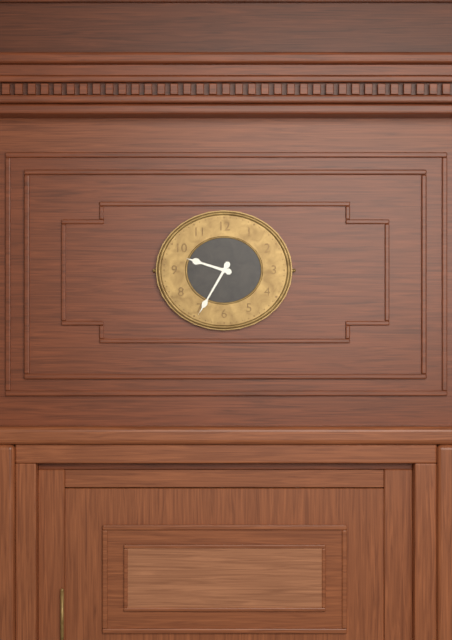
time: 9:35
